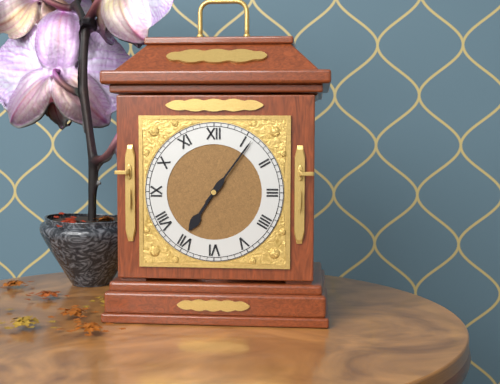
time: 7:06
